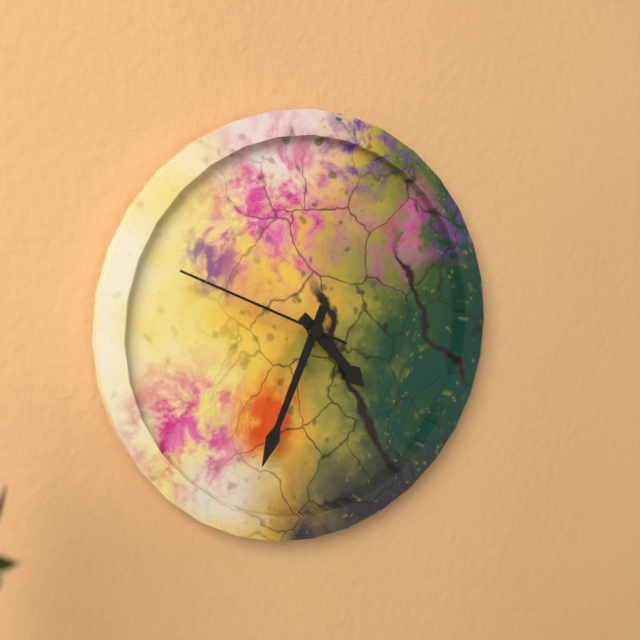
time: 4:34:49
